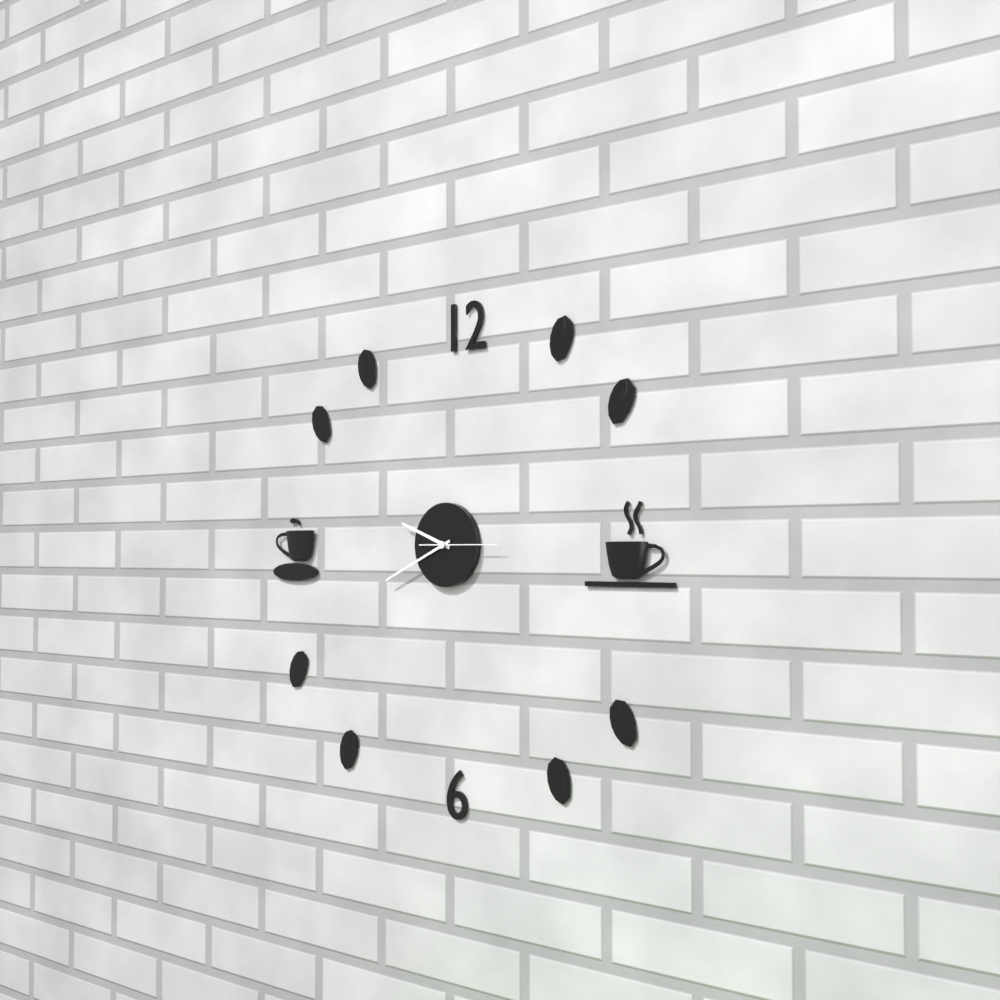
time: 9:41:15
